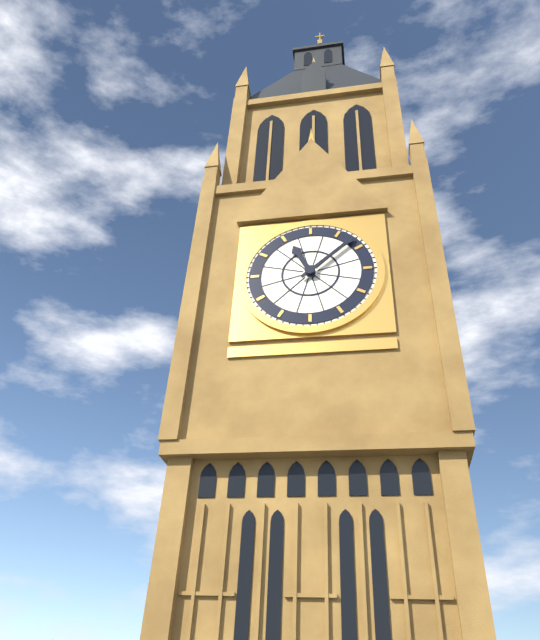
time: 11:08
